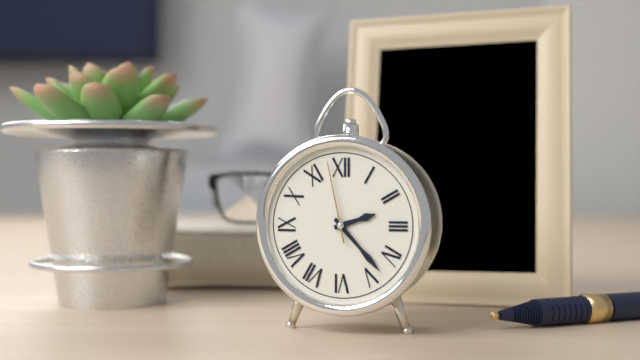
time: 2:23:58
